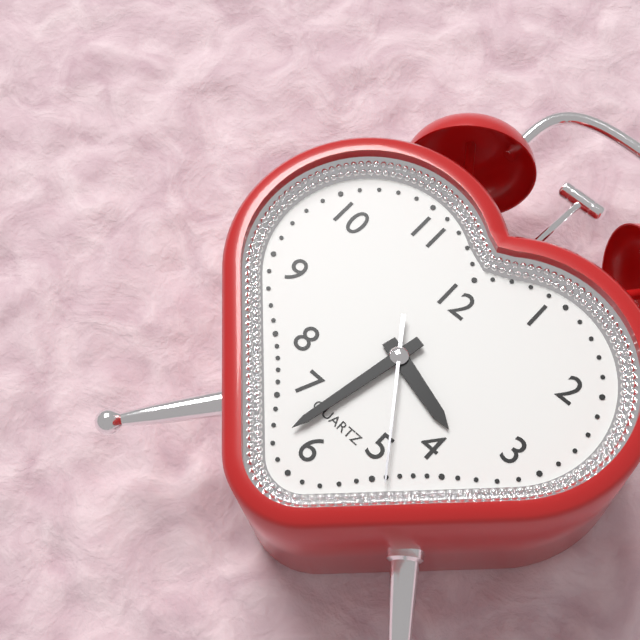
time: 3:32:24
